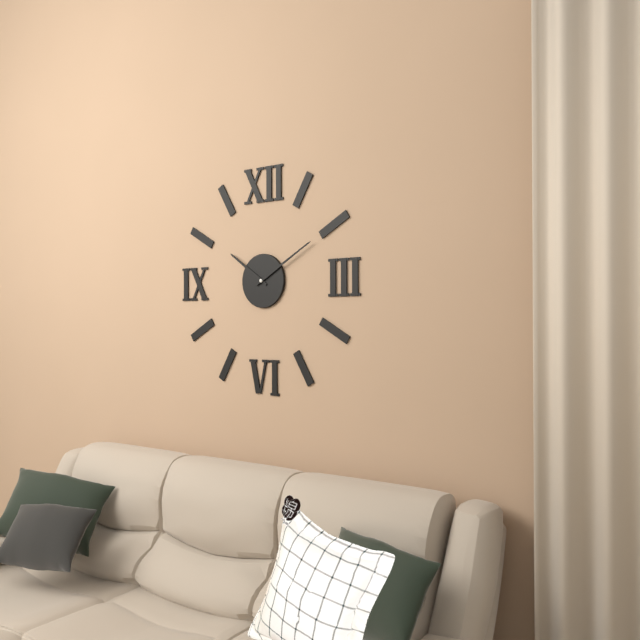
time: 10:10
